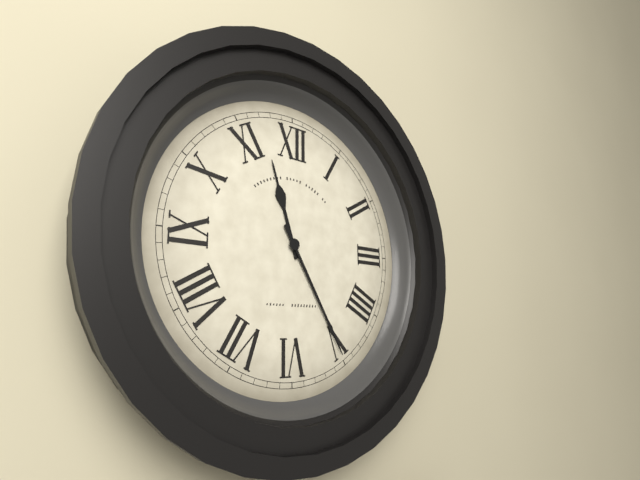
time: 11:25
